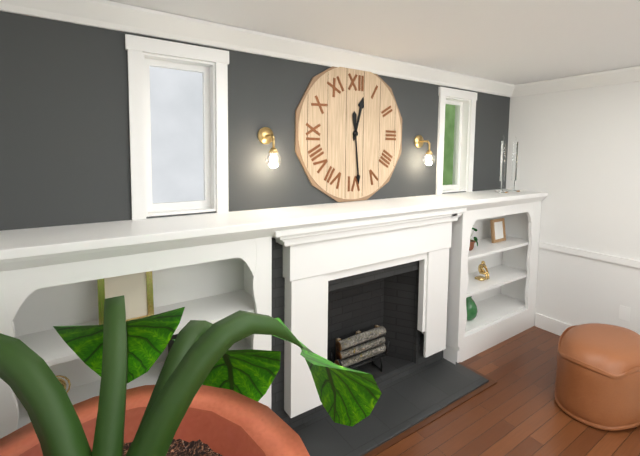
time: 12:29
